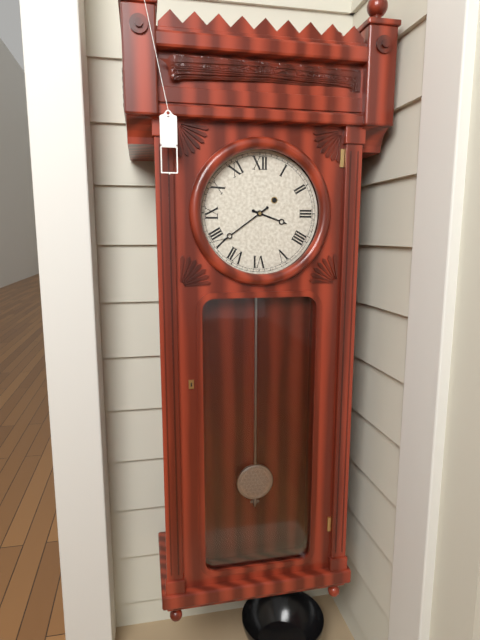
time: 3:39
